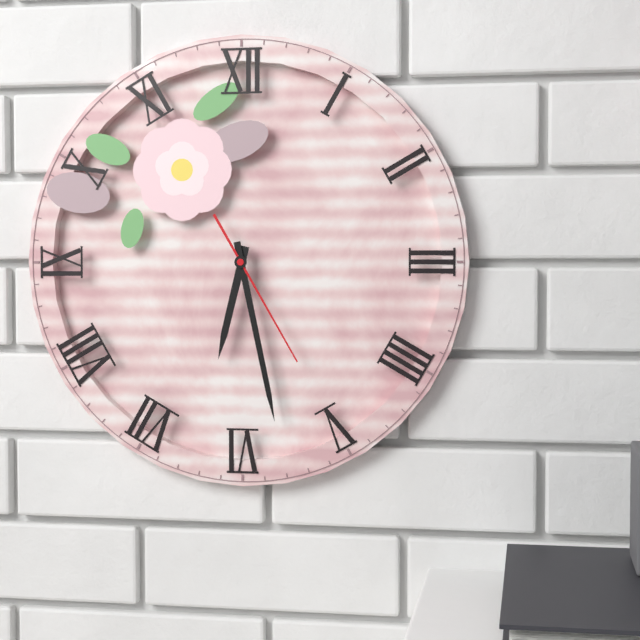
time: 6:28:25
